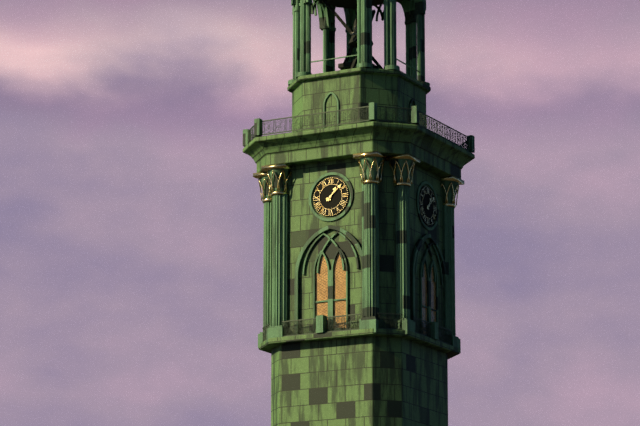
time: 1:08
